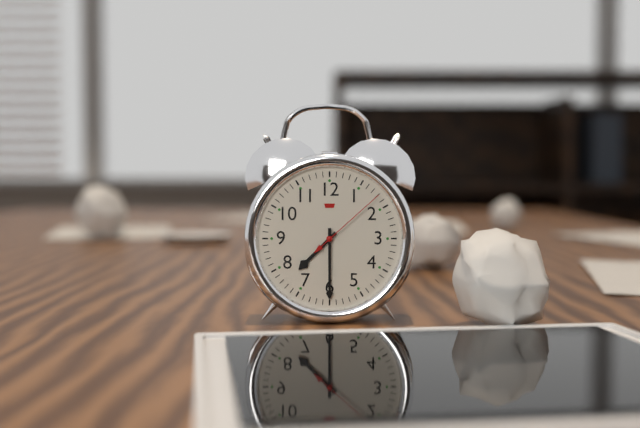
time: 7:30:08
